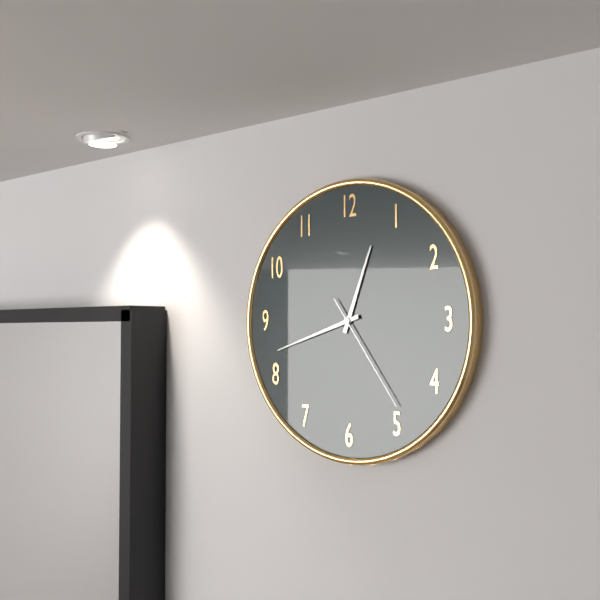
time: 12:42:24
